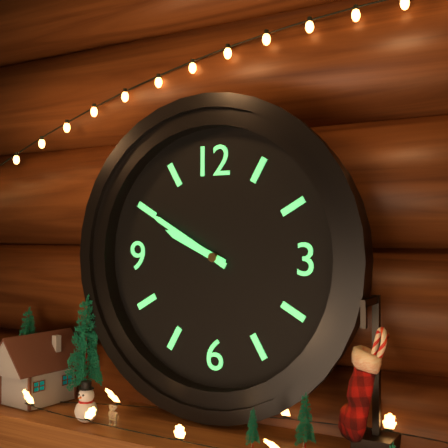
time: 9:50
